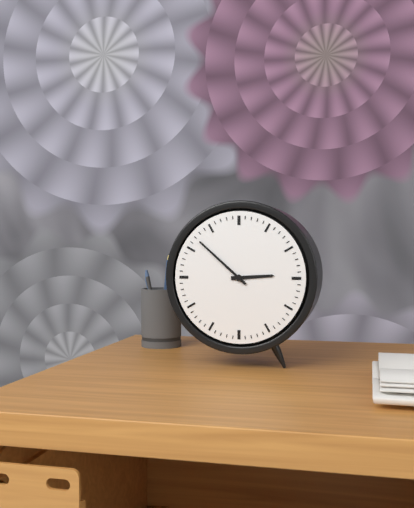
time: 2:52
